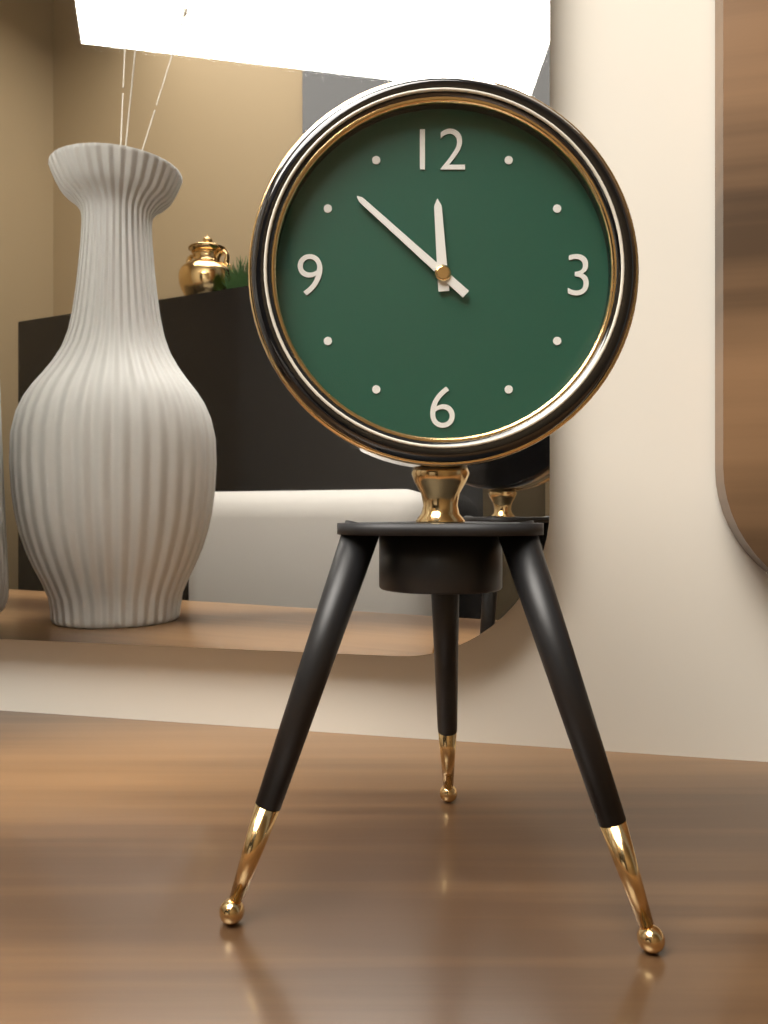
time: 11:52
